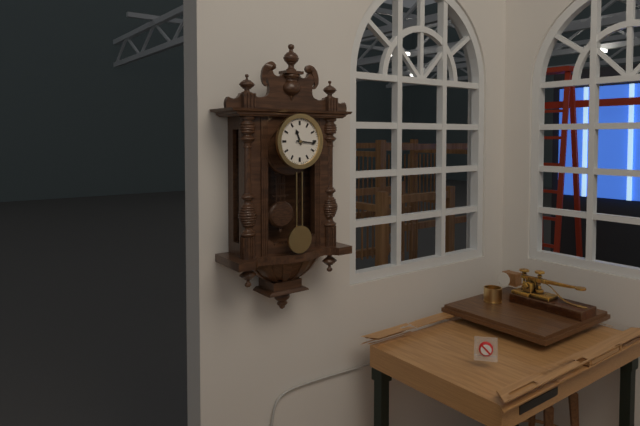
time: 11:16
